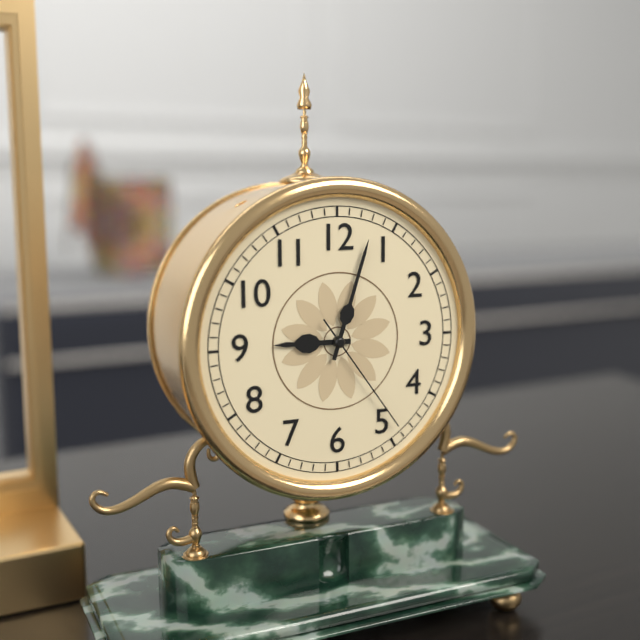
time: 9:03:24
